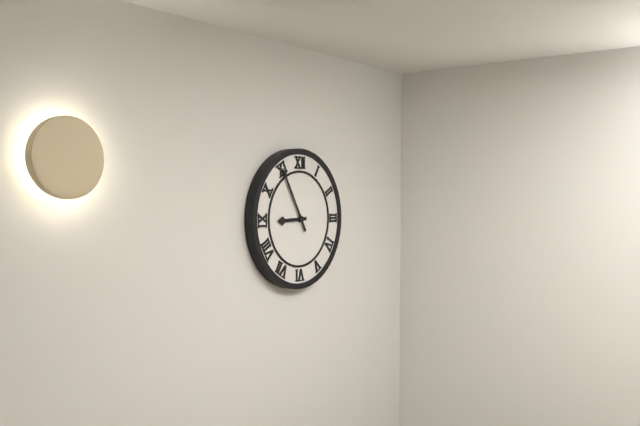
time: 8:55
